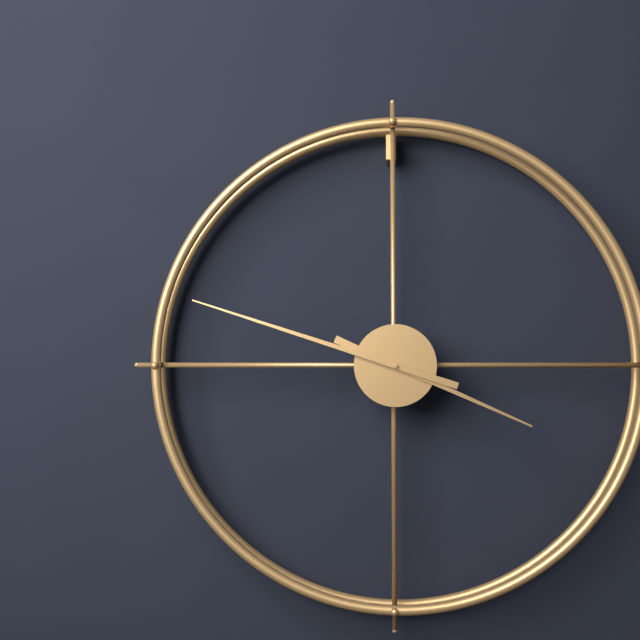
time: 3:48
